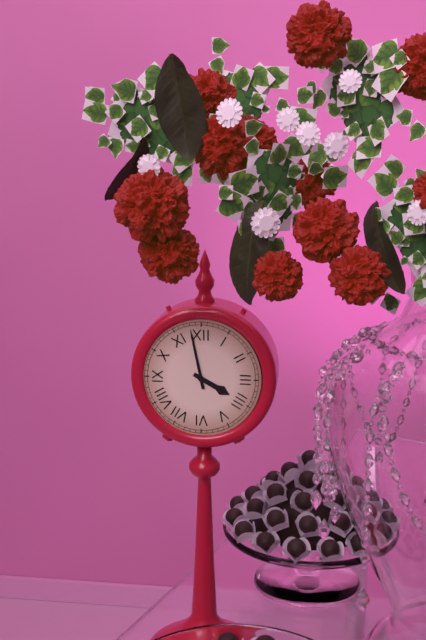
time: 3:58
